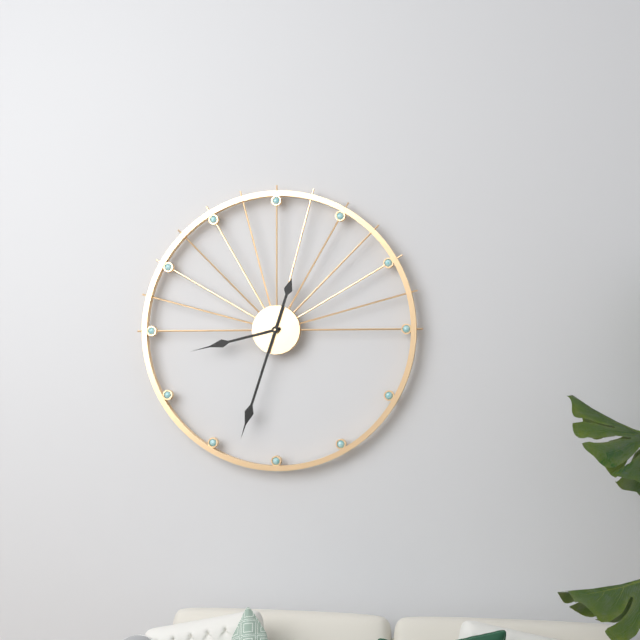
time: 8:33
